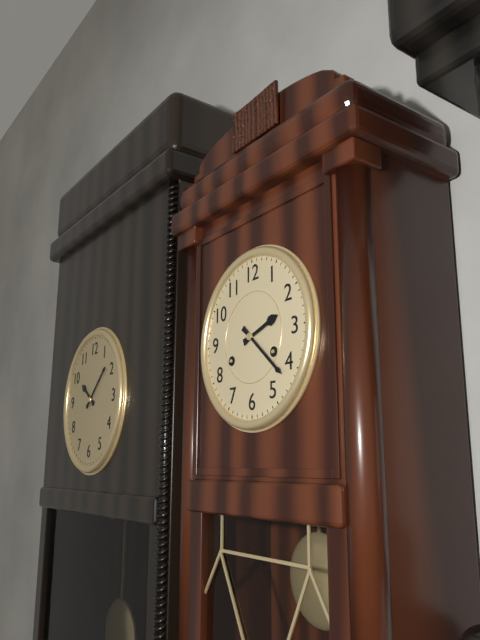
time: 2:22
